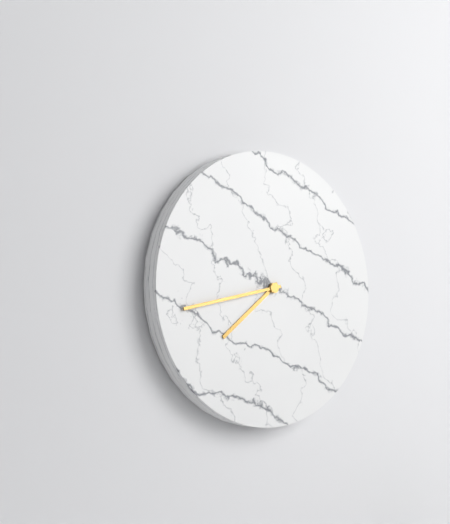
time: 7:43
